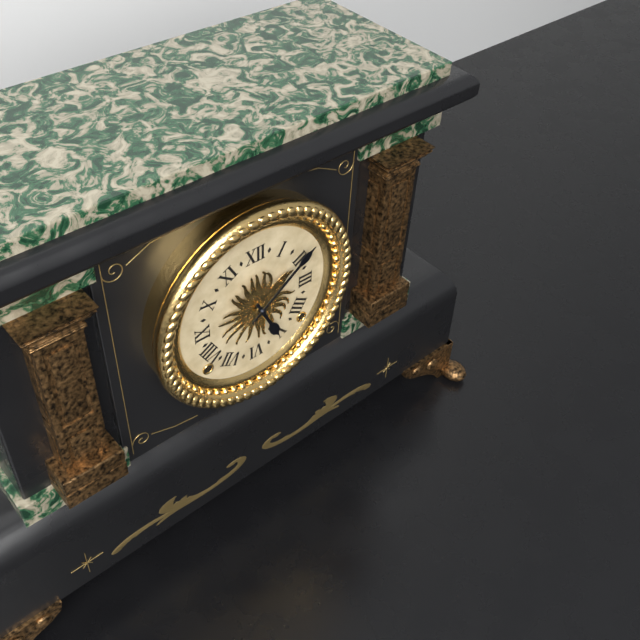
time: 5:09
